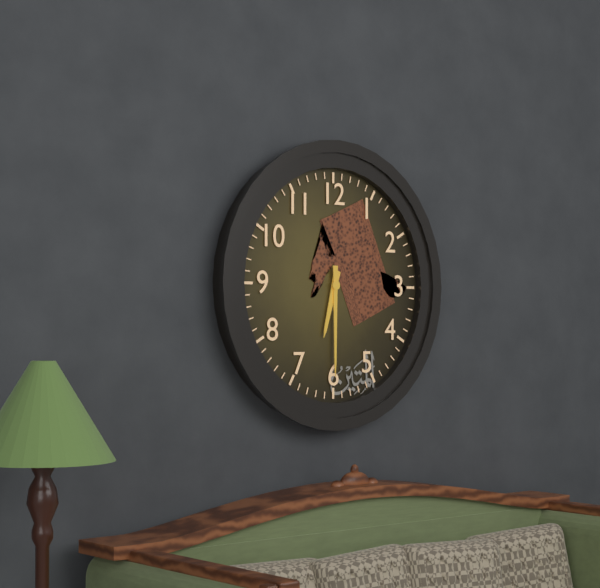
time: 6:30
